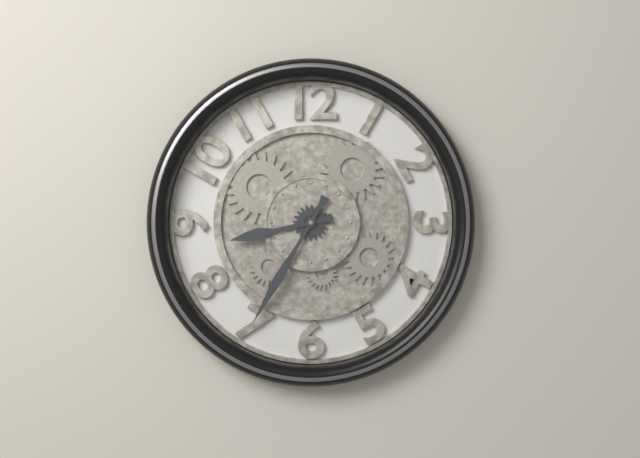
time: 8:35
